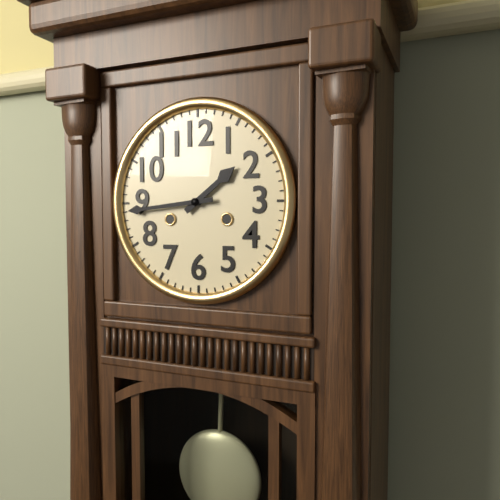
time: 1:44
